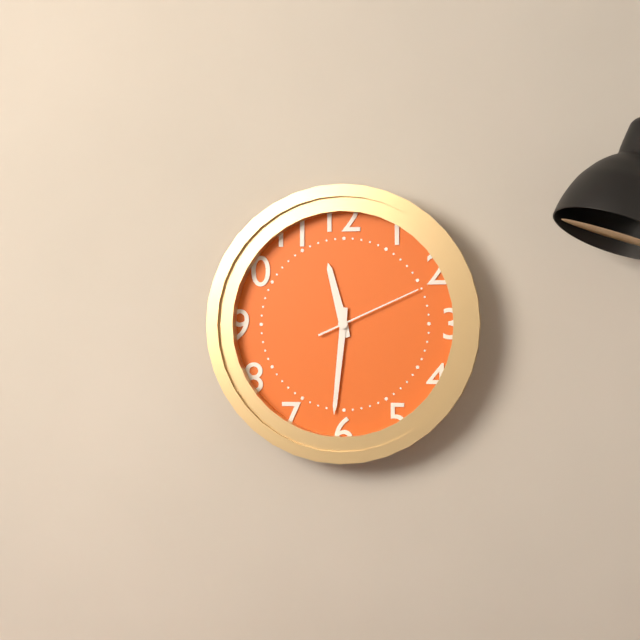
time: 11:31:11
